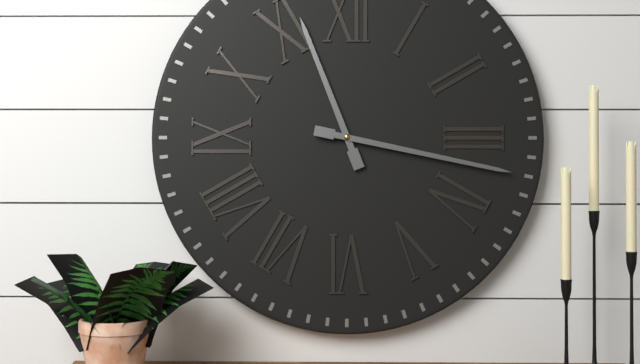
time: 11:17
